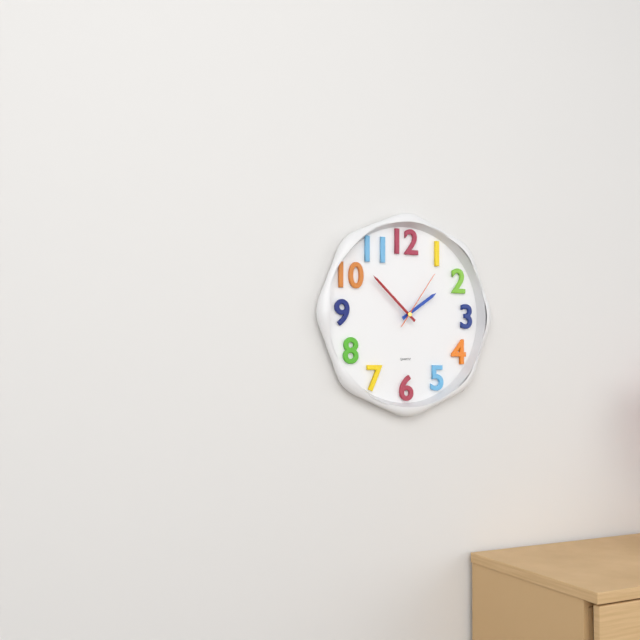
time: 1:52:06
